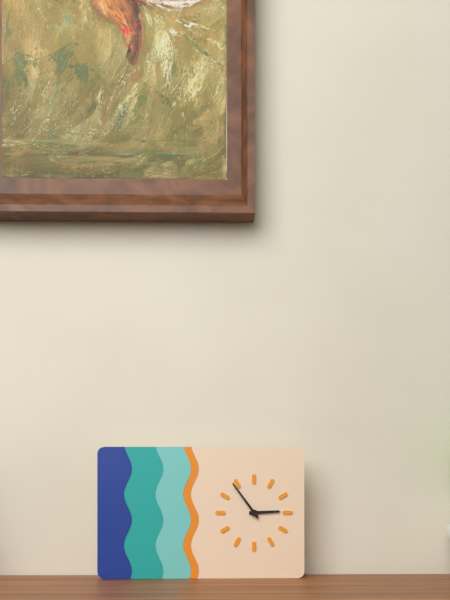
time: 2:54
